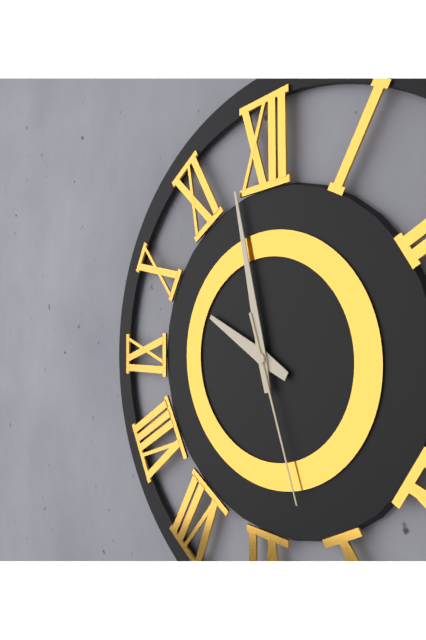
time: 9:58:27
